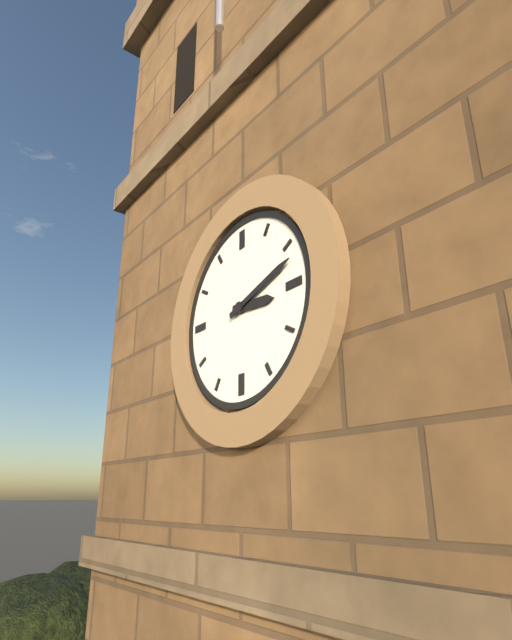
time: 3:12
